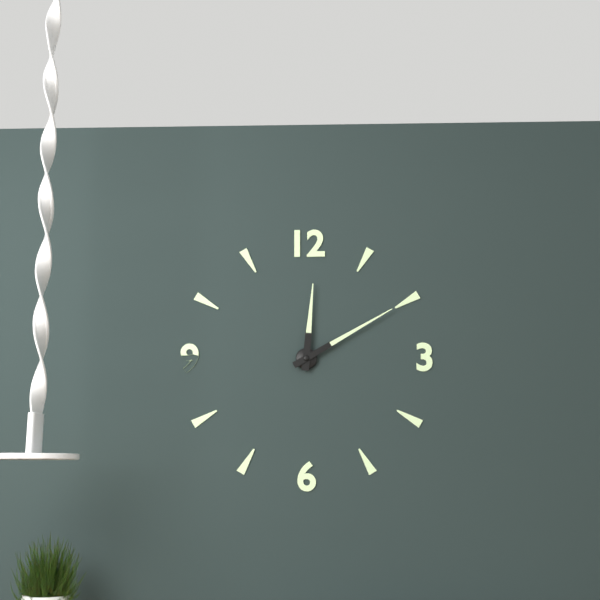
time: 12:10
